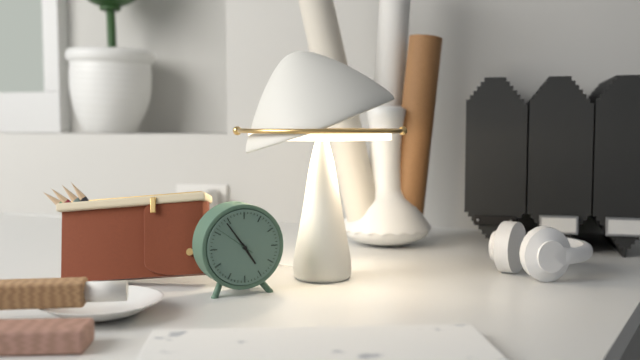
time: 4:54
